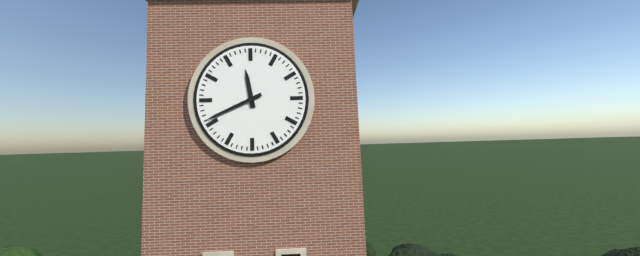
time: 11:41
